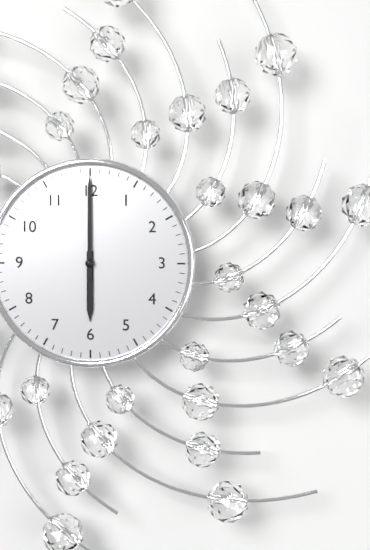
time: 6:00
